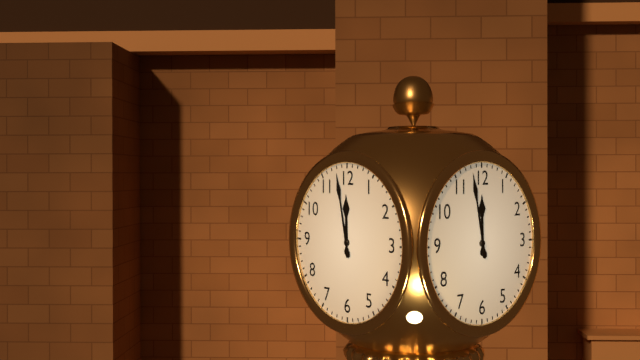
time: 11:58
